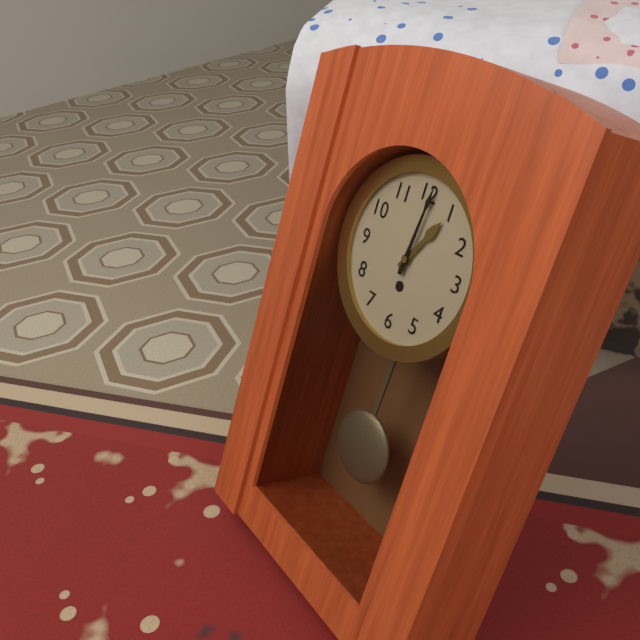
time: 1:01
